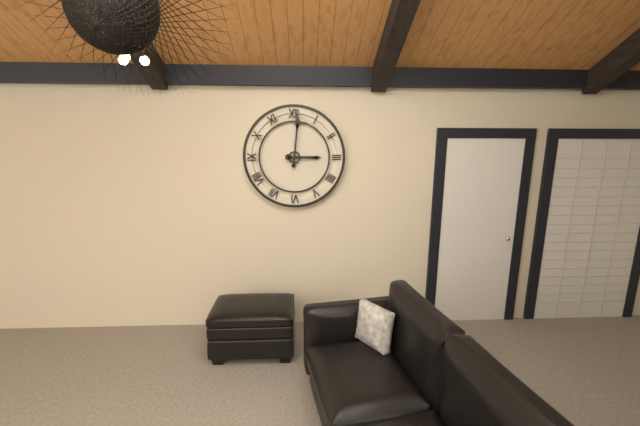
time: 3:01
